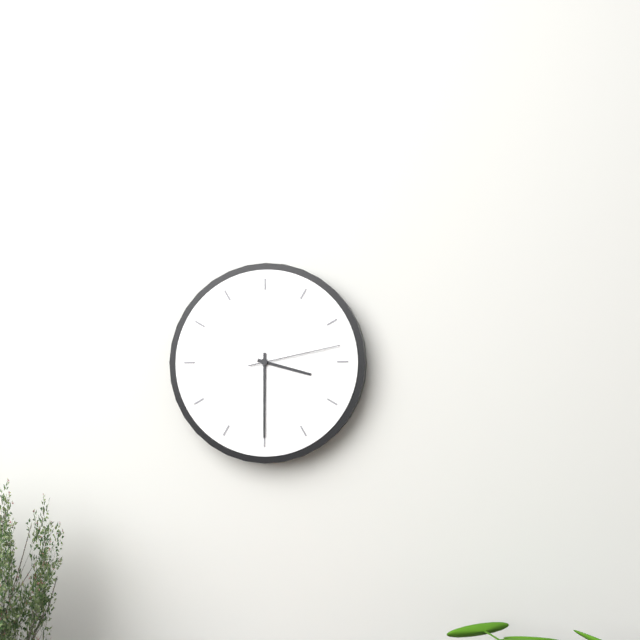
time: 3:30:13
